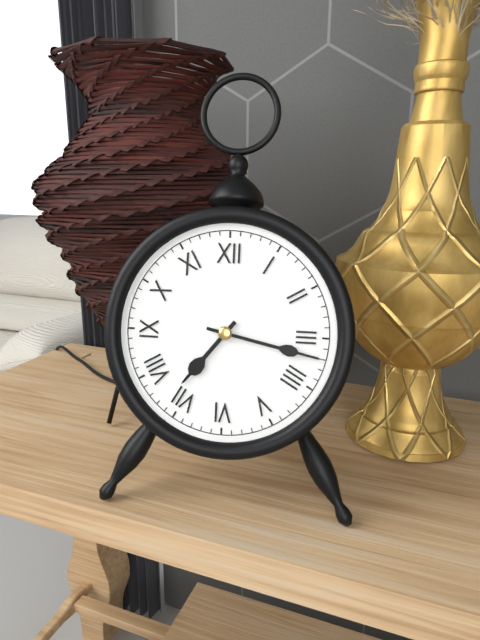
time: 7:17
